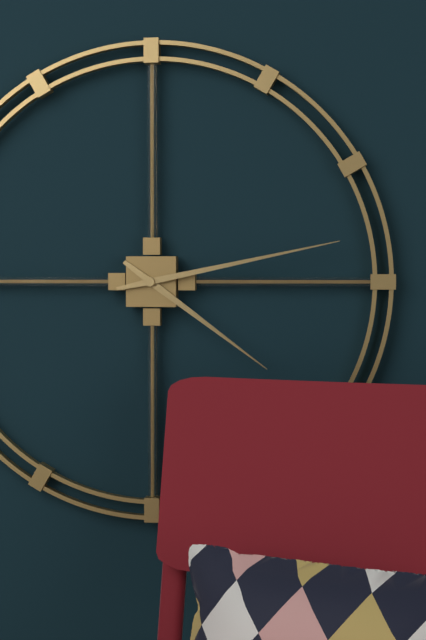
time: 4:13
